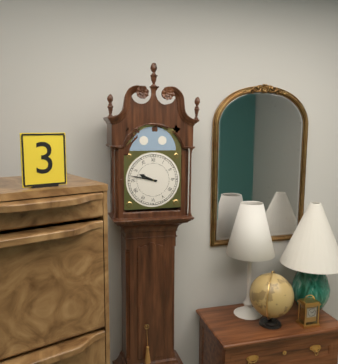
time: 9:47
